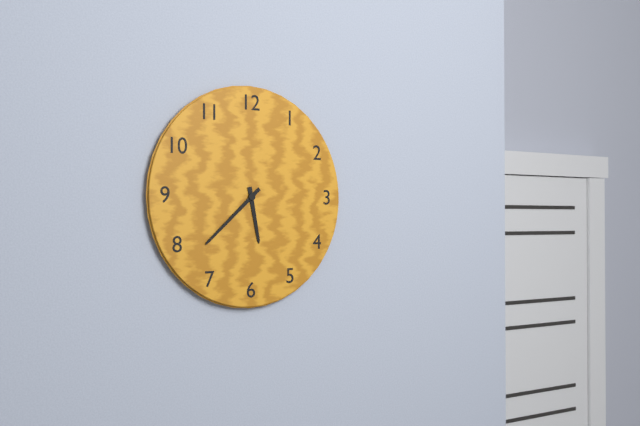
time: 5:38
